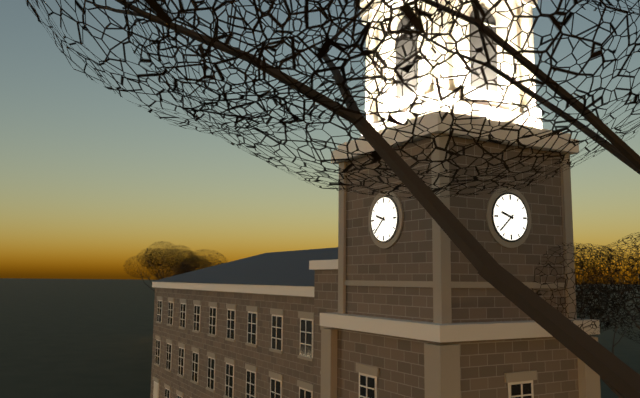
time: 9:38
